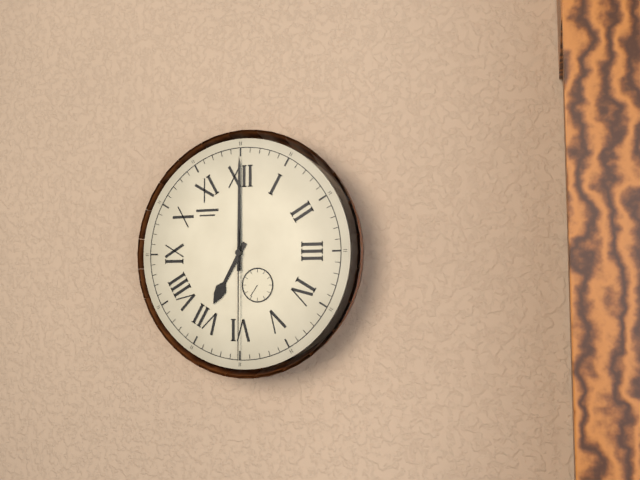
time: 7:00:30
